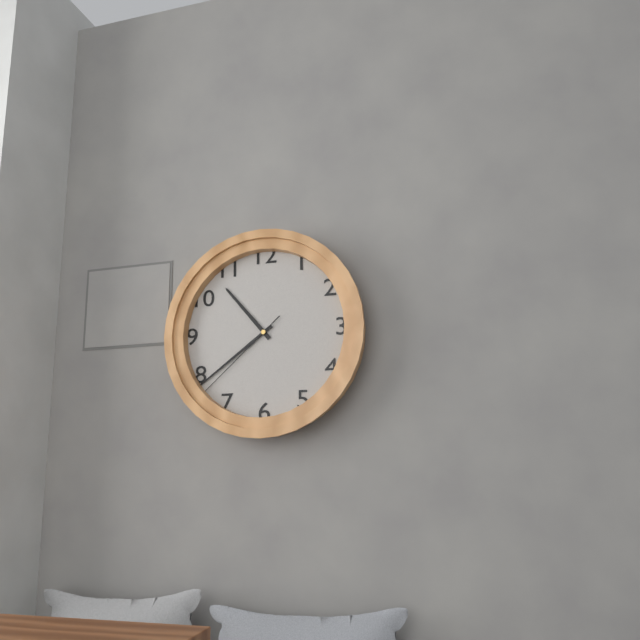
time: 10:39:38
